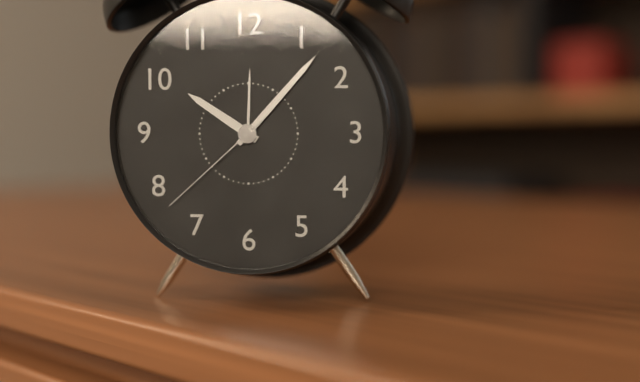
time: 10:07:38
